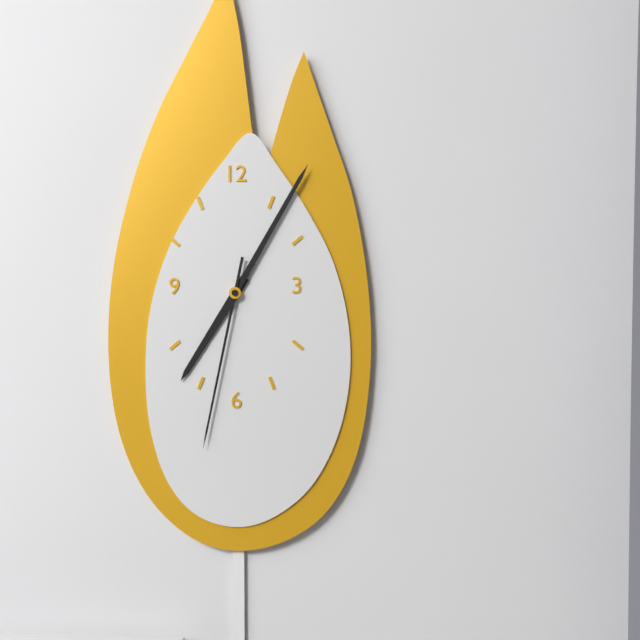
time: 7:05:32
